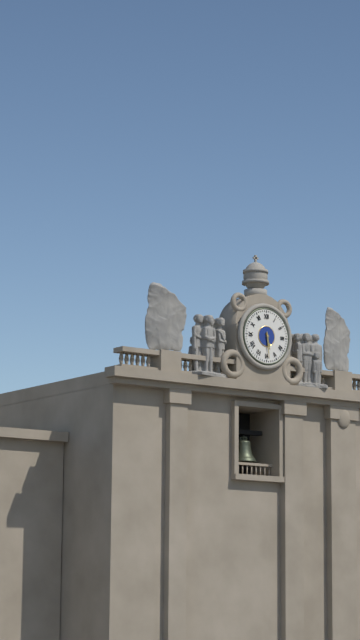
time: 5:29
